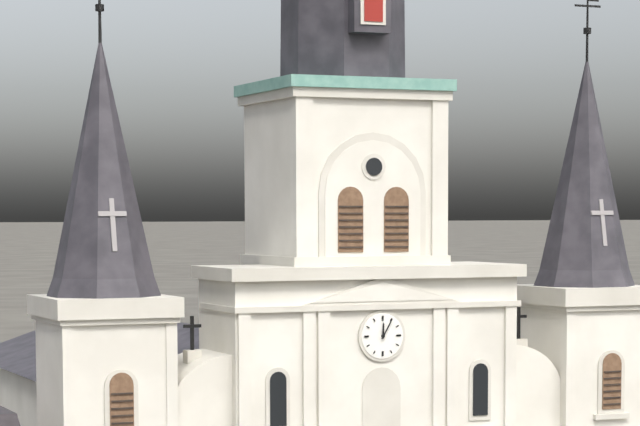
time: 12:05
